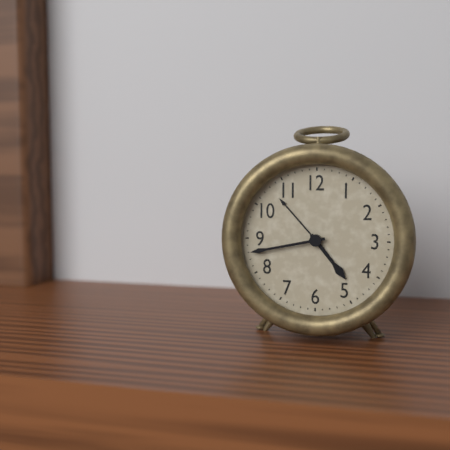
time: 4:43
